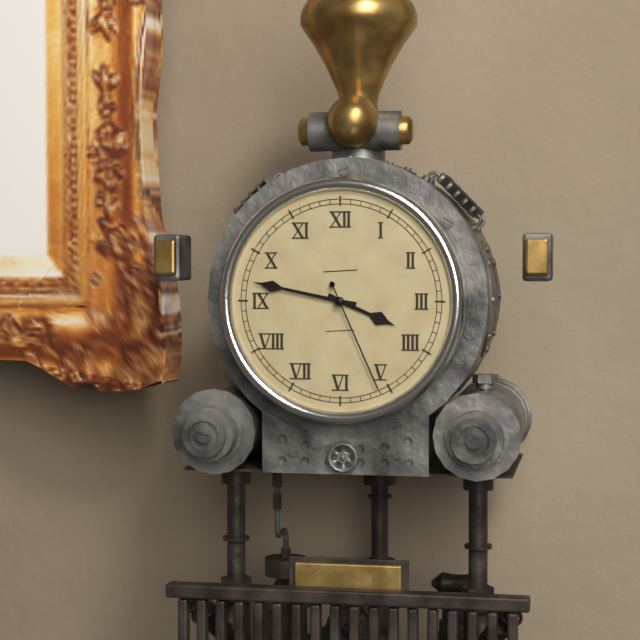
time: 3:47:26
